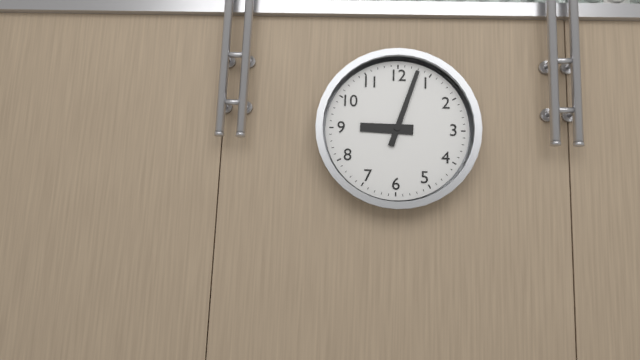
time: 9:03
